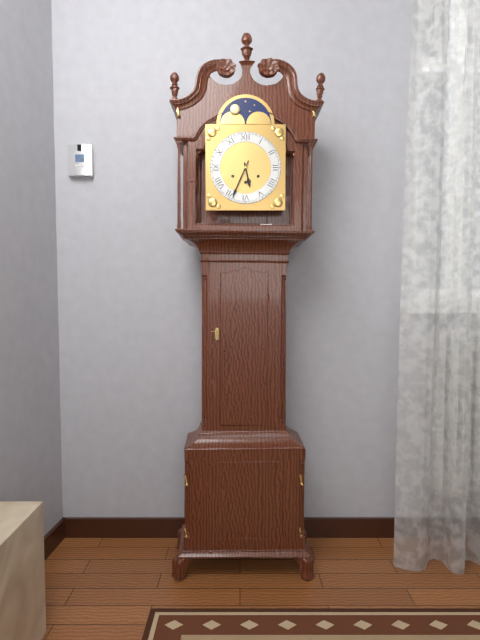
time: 5:34
